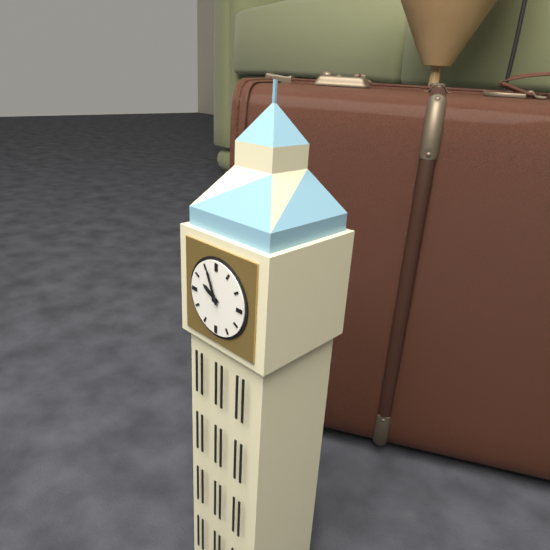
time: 9:56
